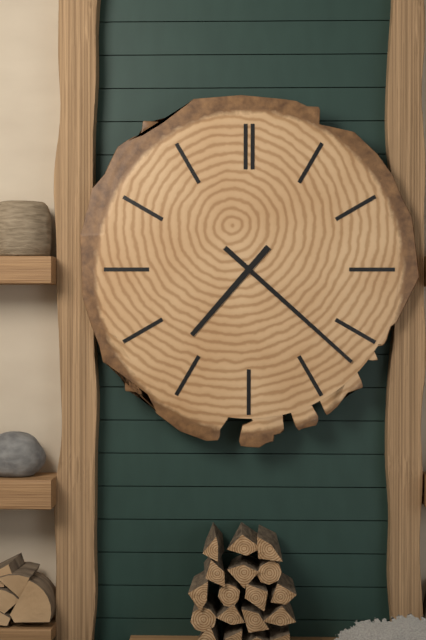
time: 7:22
